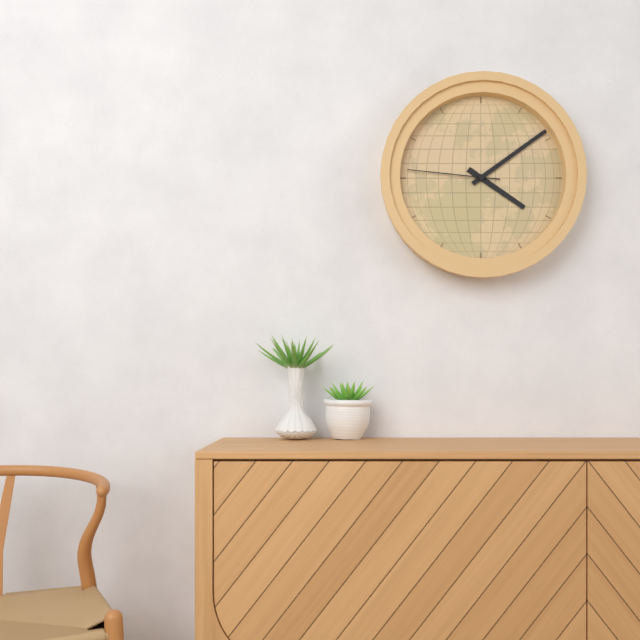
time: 4:09:46
